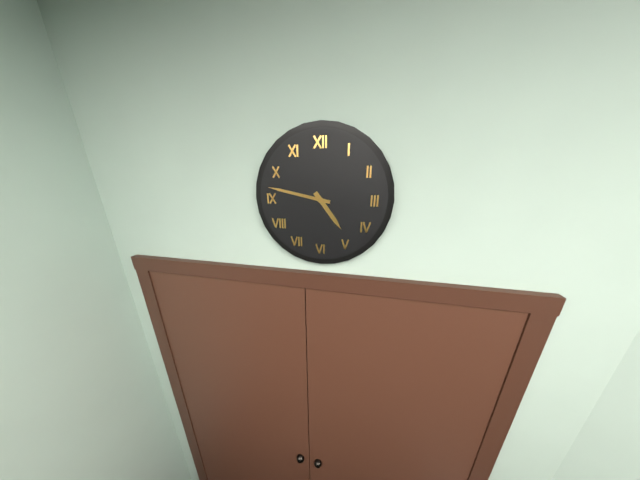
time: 4:47
